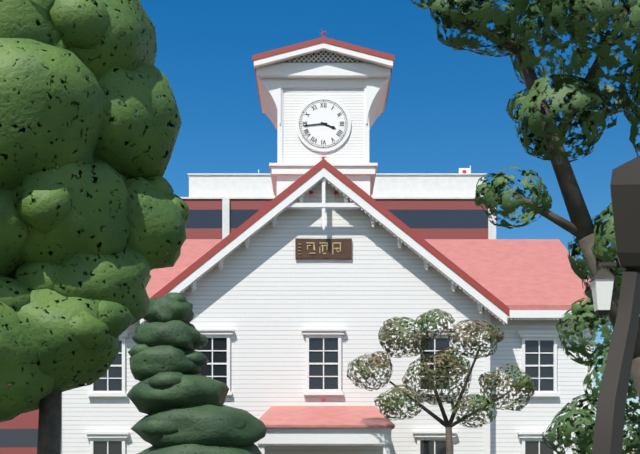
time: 3:44
